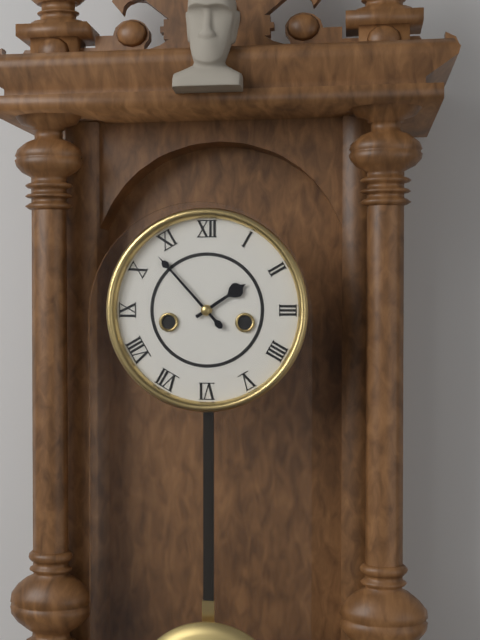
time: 1:53
